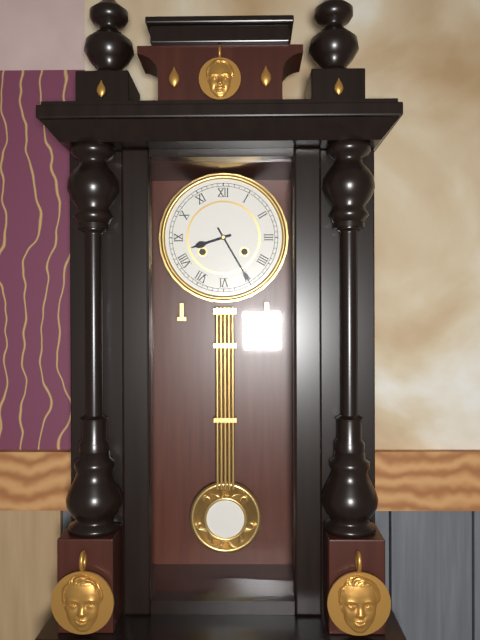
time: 8:25
